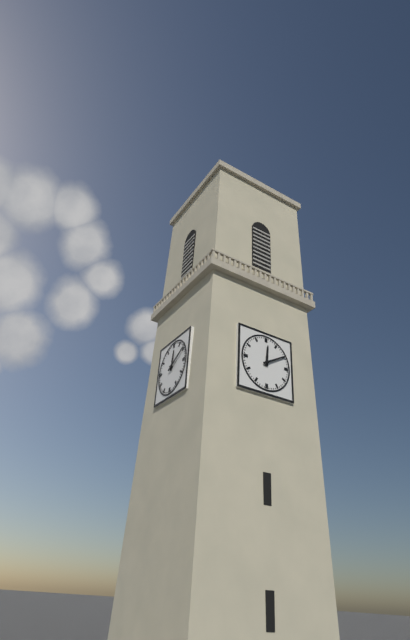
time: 12:10
